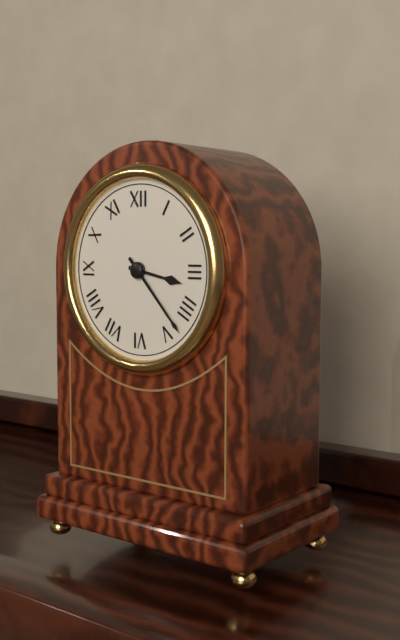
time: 3:23
